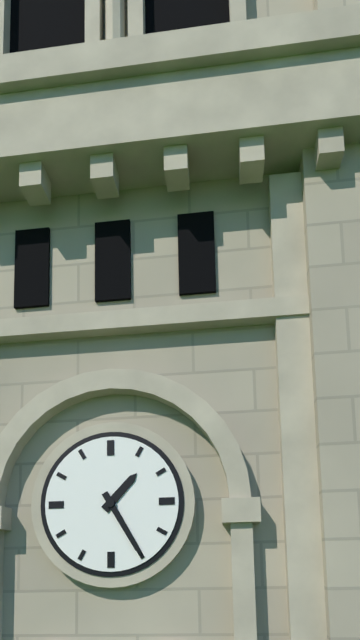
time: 1:25
